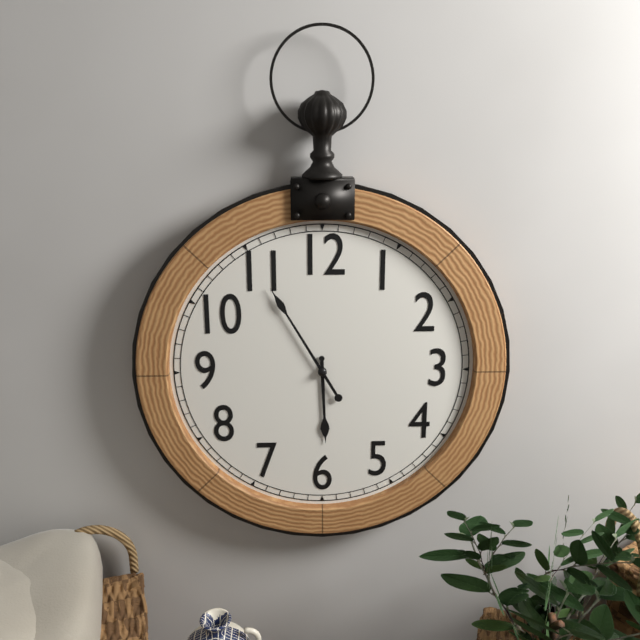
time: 5:55
